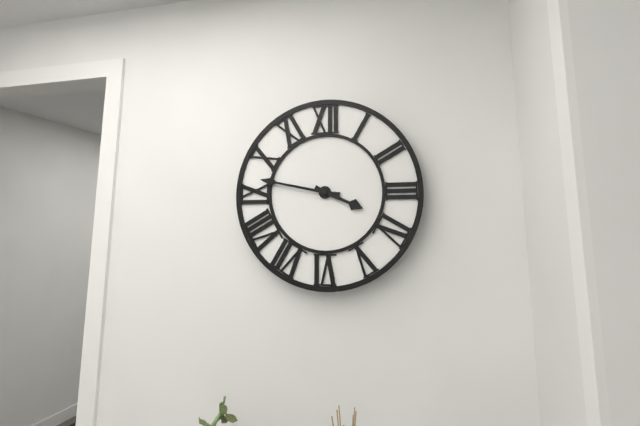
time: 3:47
